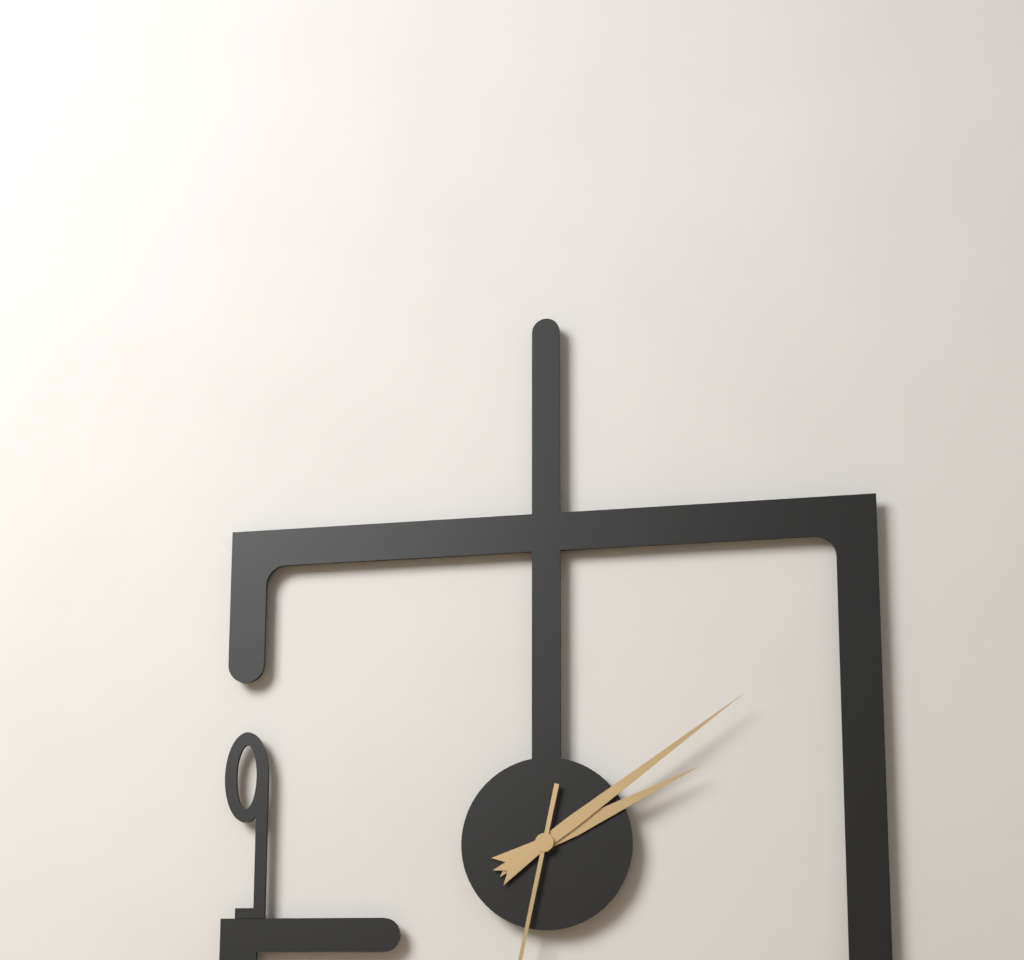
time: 2:09
